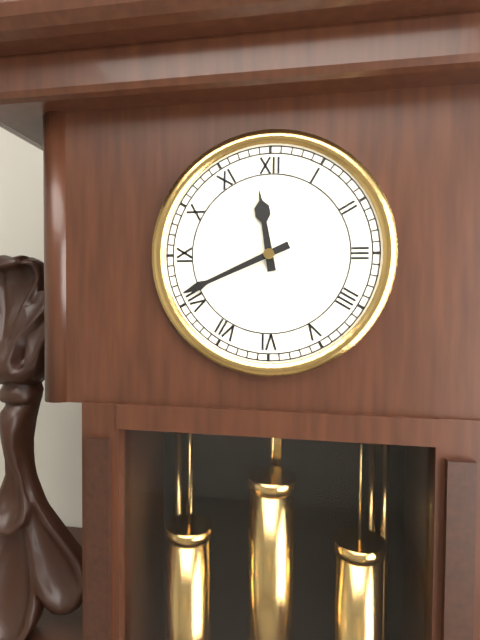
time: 11:41
